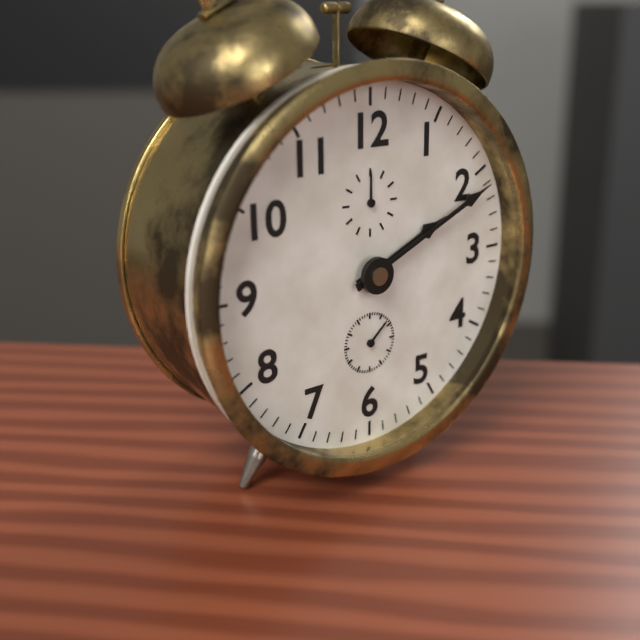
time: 2:11
